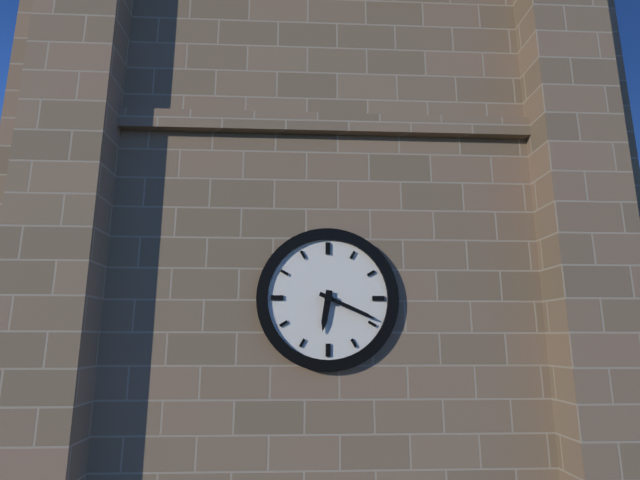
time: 6:19
